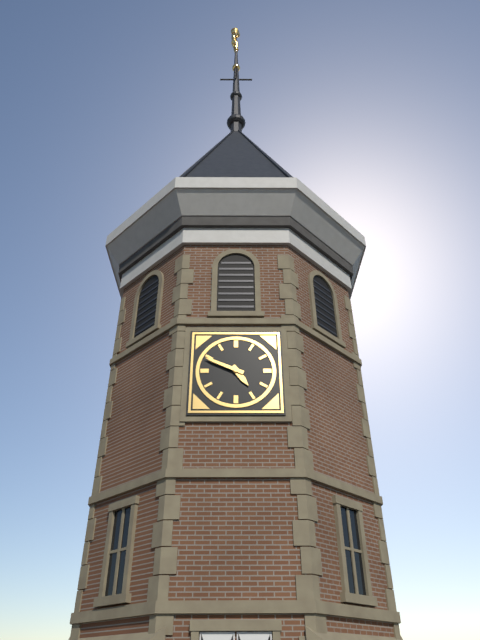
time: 4:49
